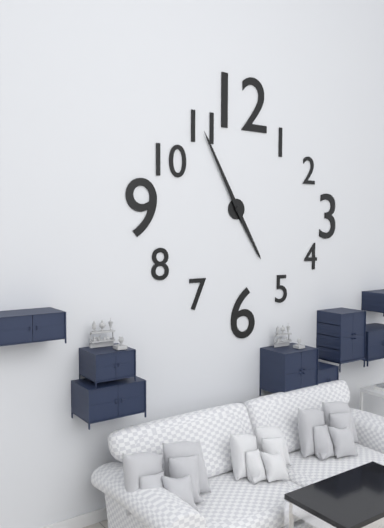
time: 4:55
